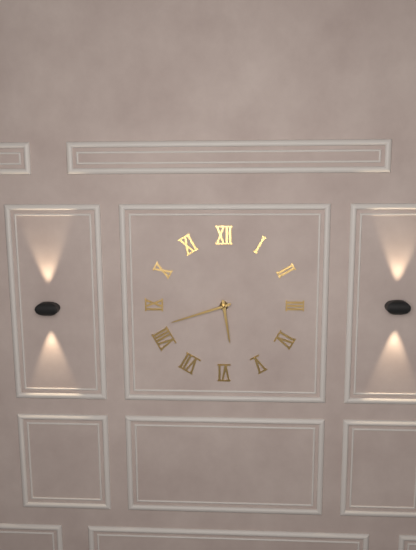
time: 5:42
